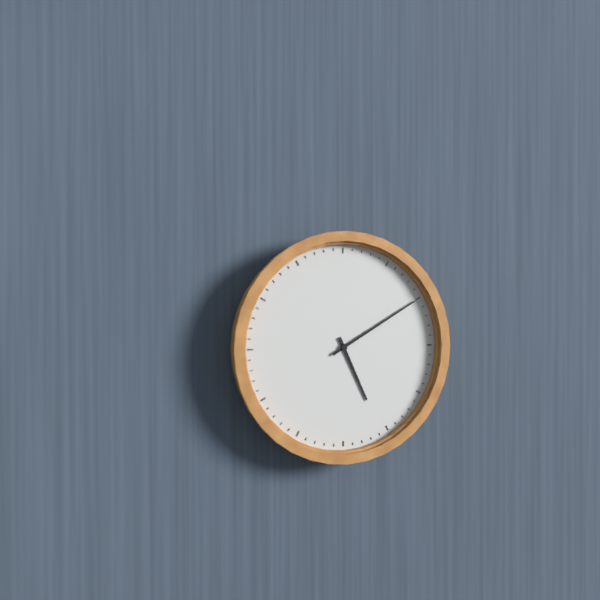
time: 5:10
